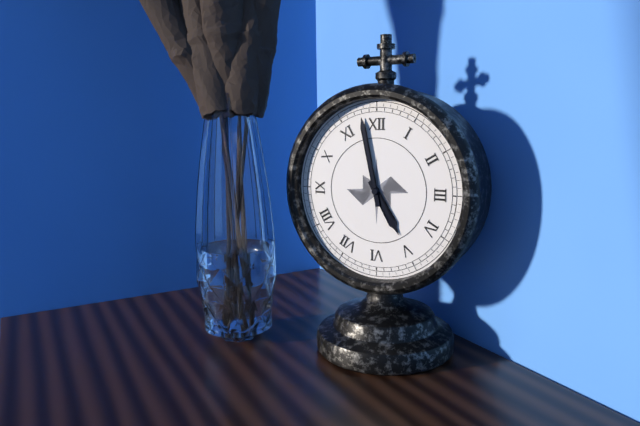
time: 4:58
